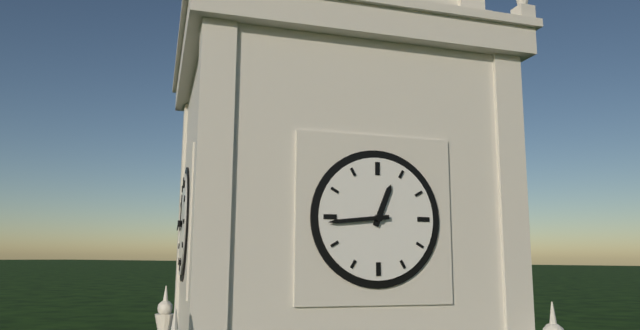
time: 12:44
